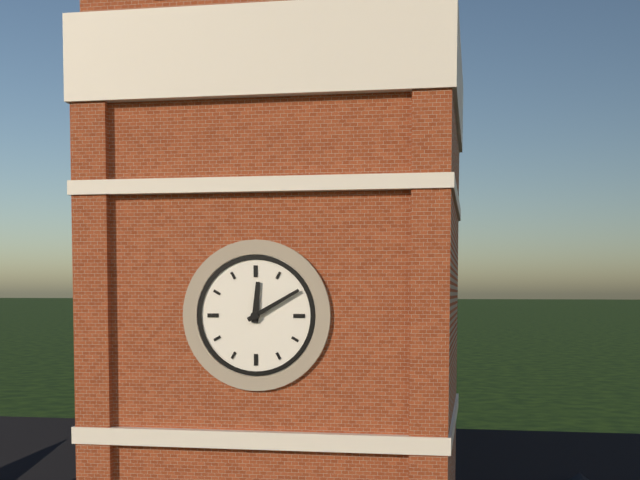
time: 12:10
